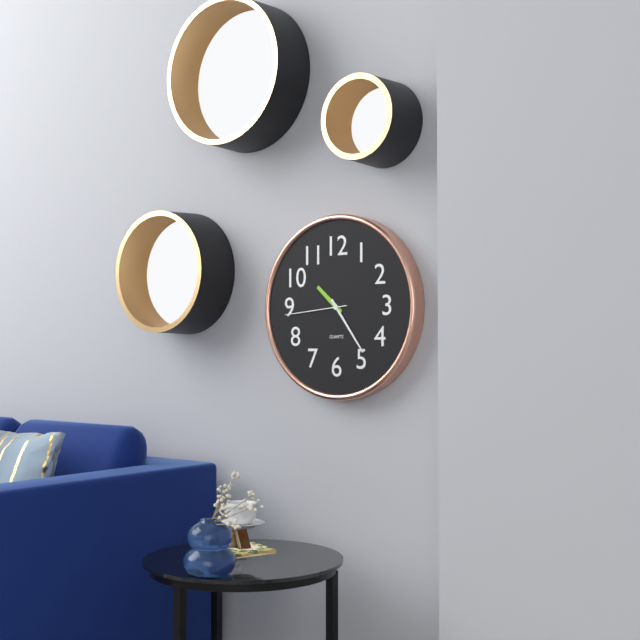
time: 10:24:44
